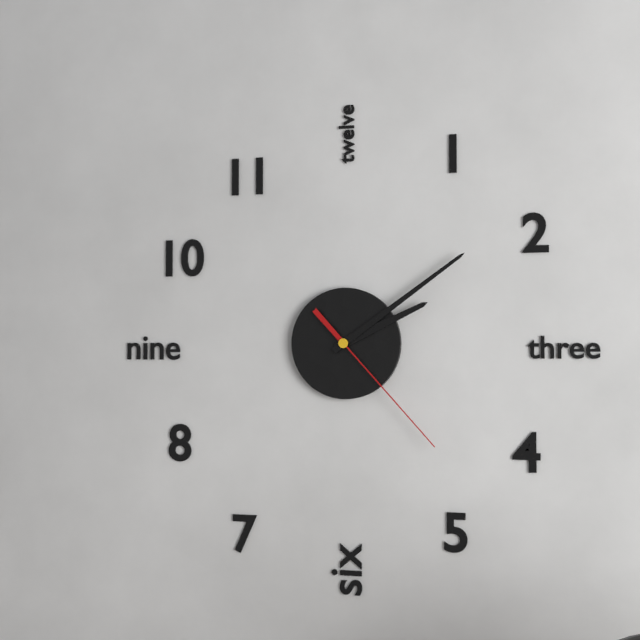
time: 2:09:23
